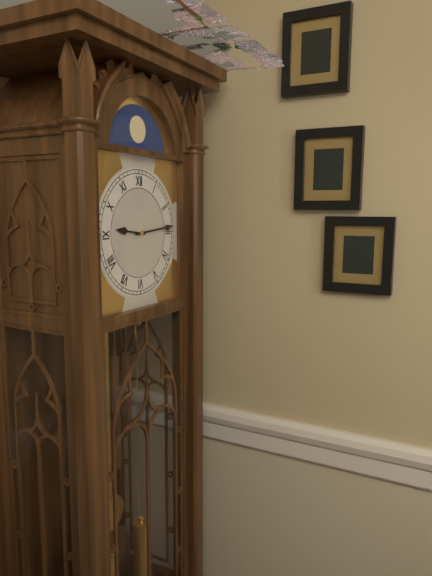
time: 9:14
